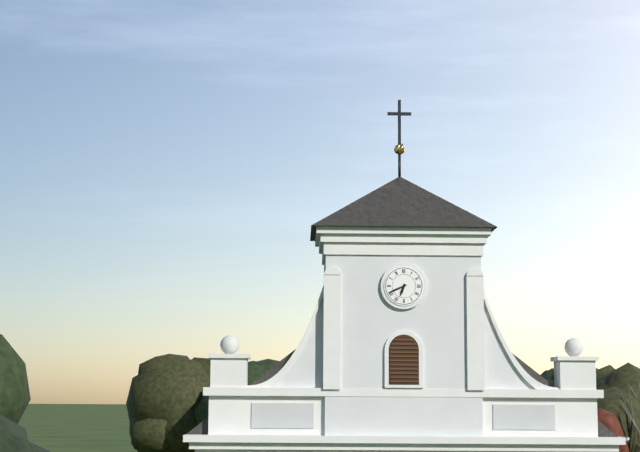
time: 6:41
